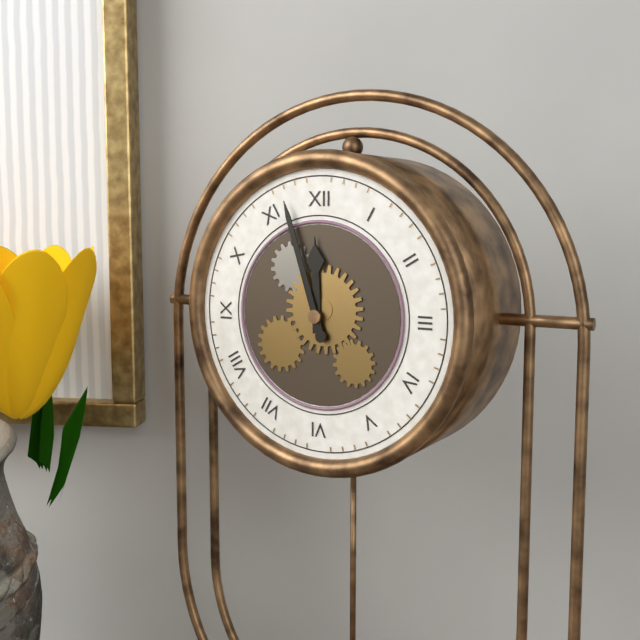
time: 11:57
